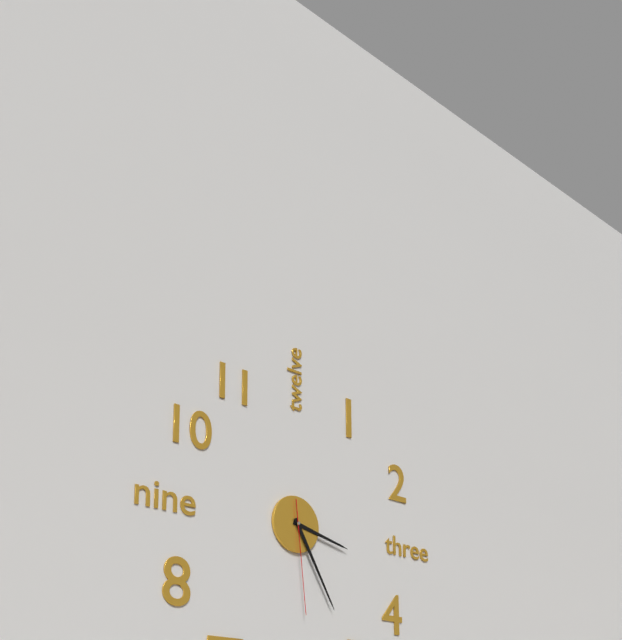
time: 3:25:29
